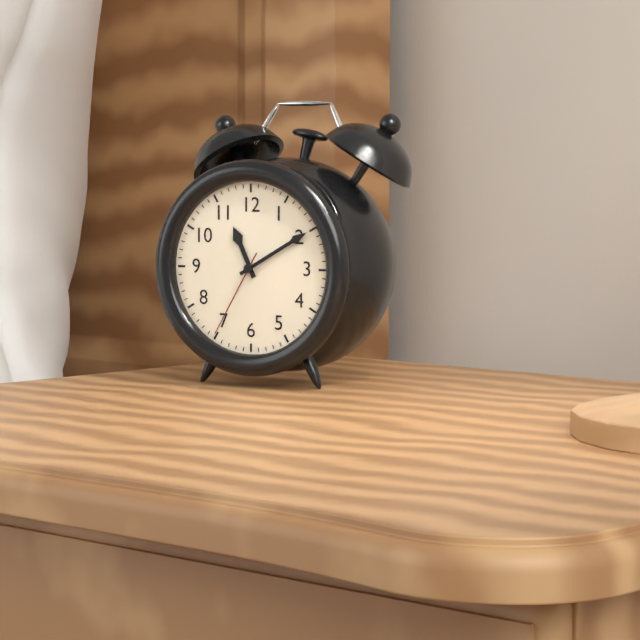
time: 11:10:35
